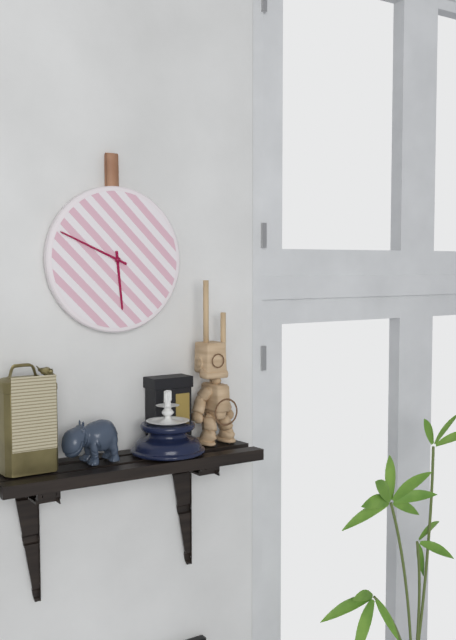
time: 5:49
